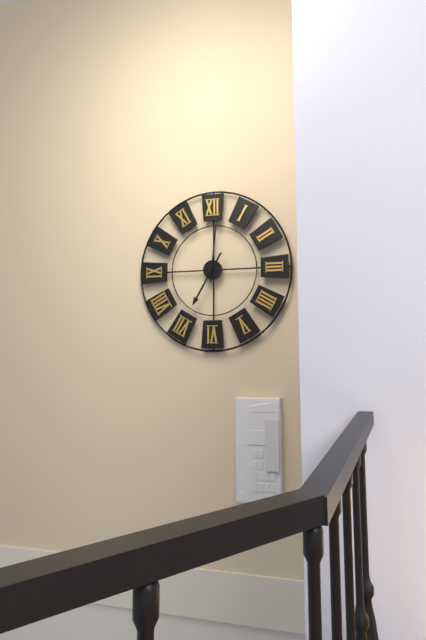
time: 7:01
